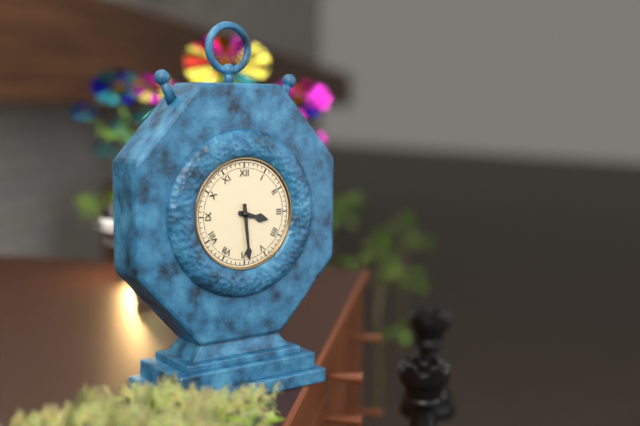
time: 3:29
